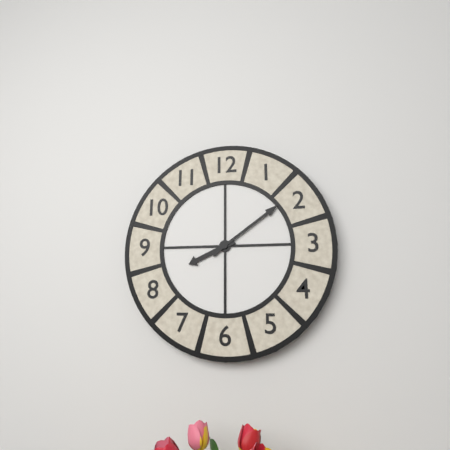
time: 8:09
